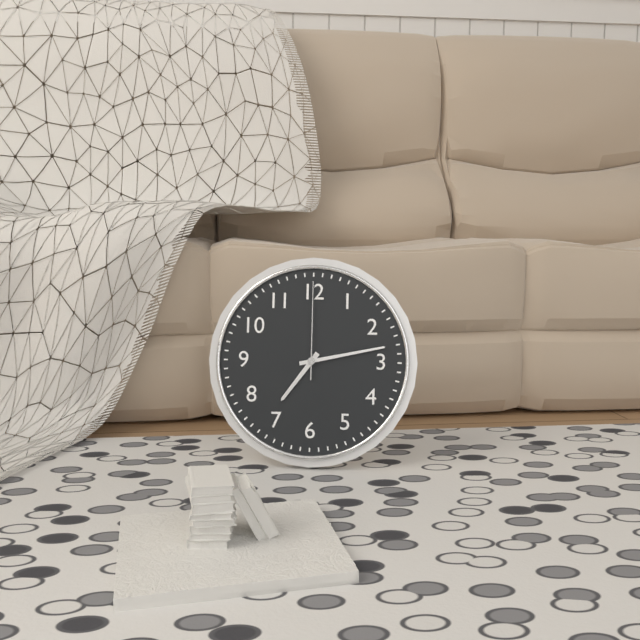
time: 7:13:00
